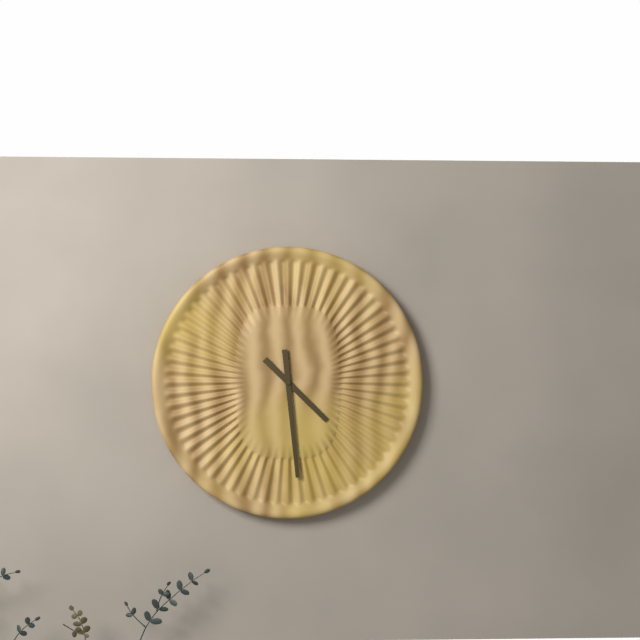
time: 4:29
